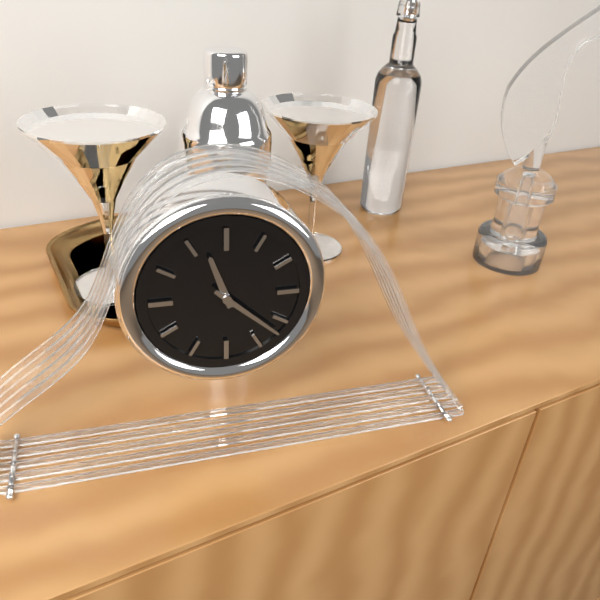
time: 11:22
